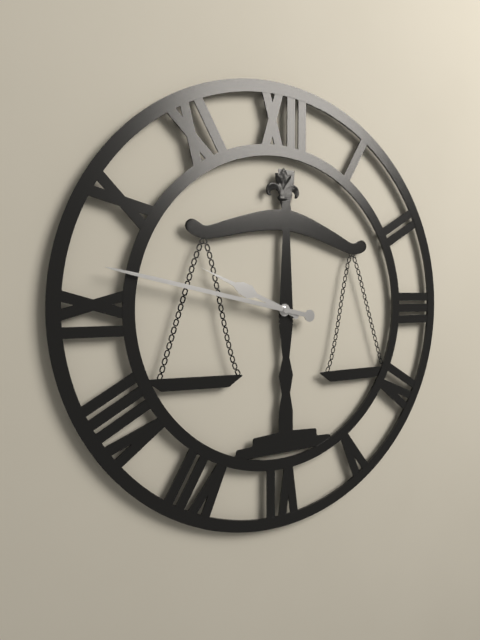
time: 9:47
